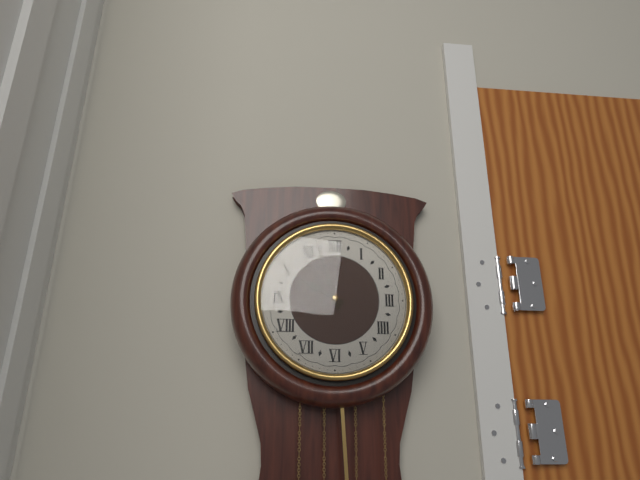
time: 9:57
